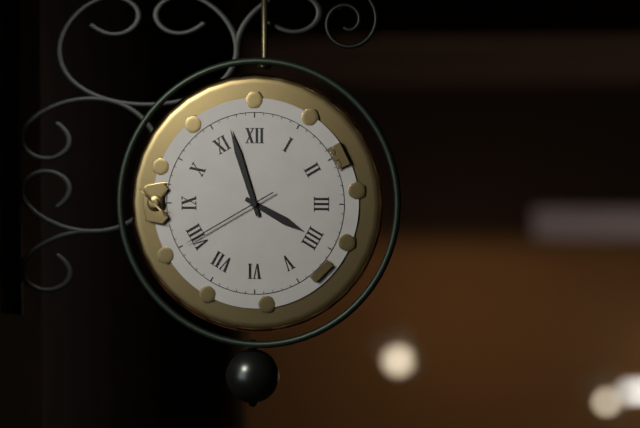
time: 3:57:40
